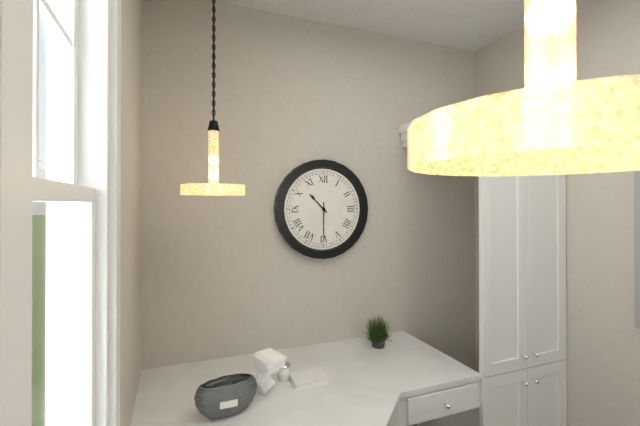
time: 10:30
